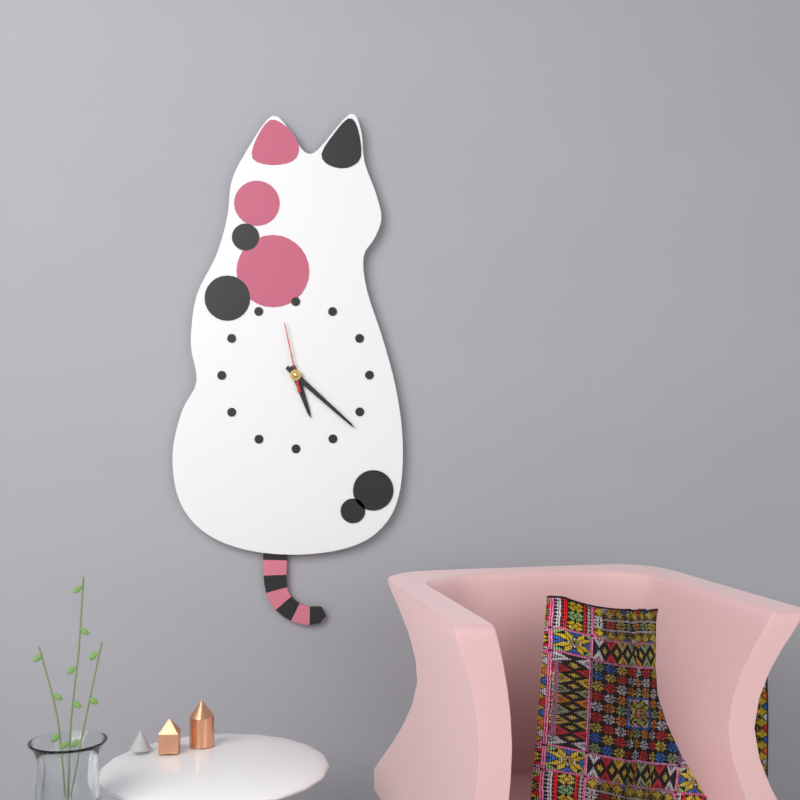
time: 5:22:58
